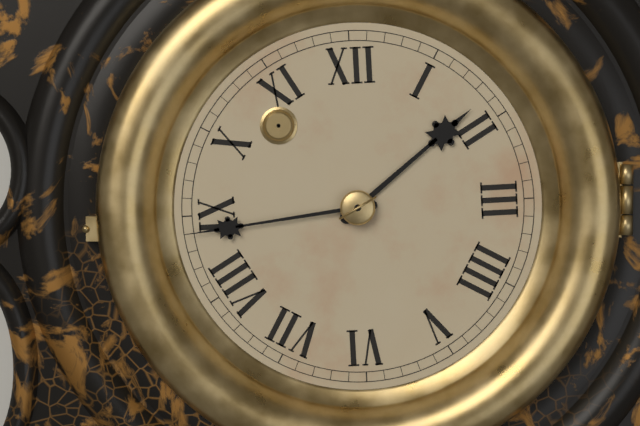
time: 1:44
